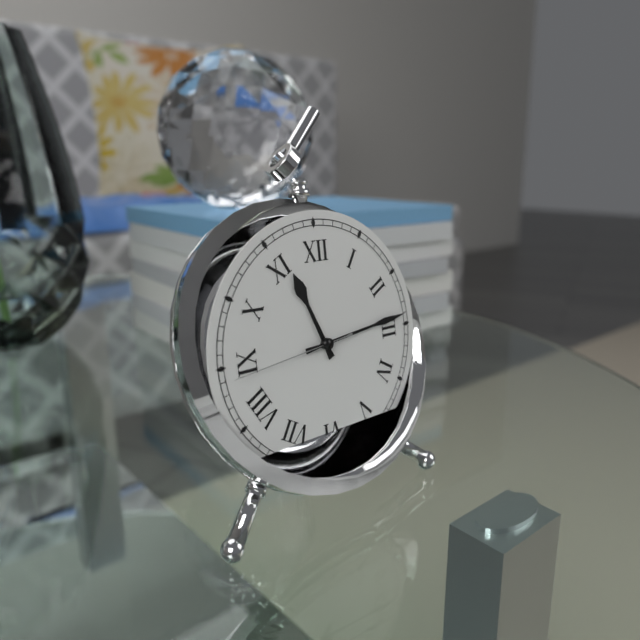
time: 11:14:44
